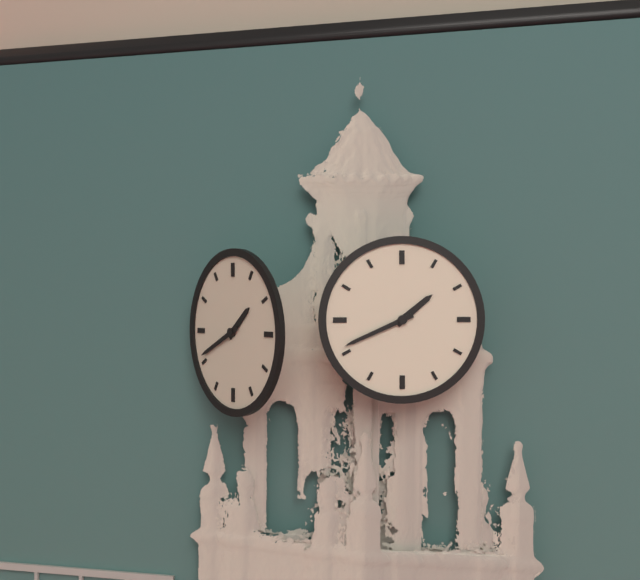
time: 1:41
